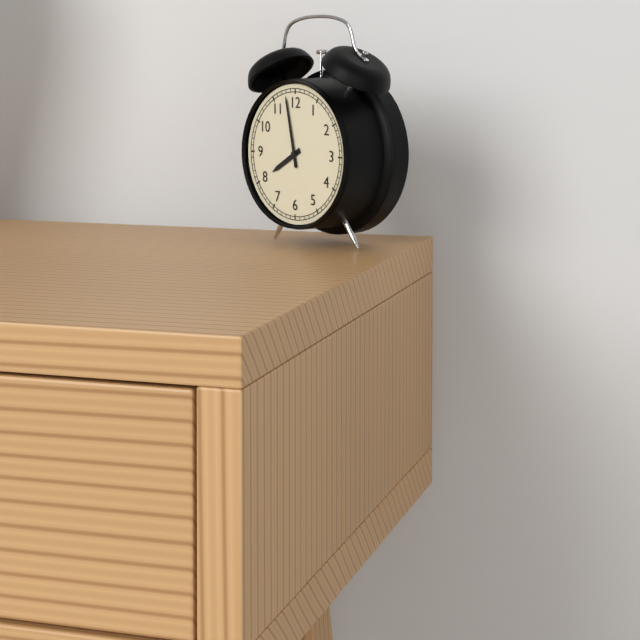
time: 7:58
